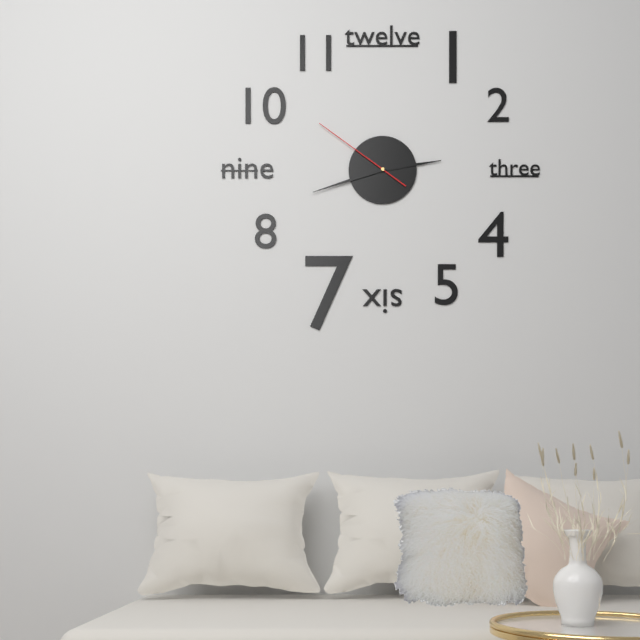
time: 2:42:51
